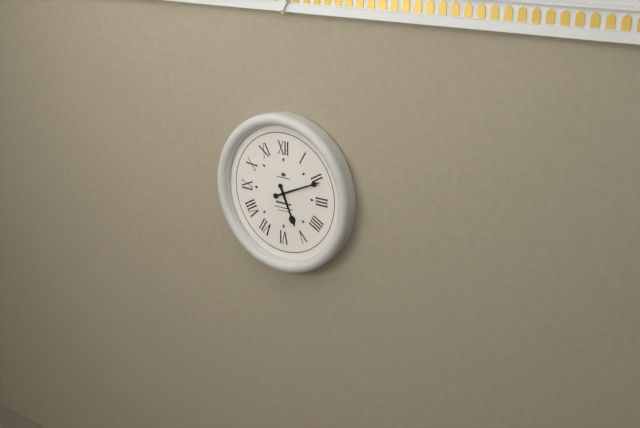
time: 5:11
